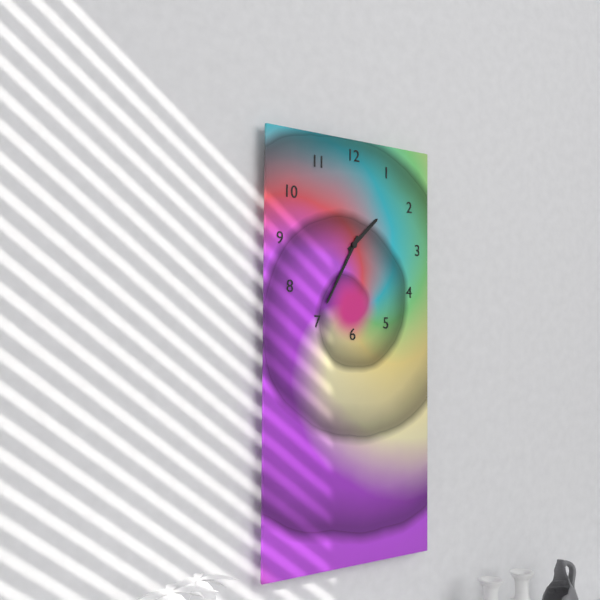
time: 1:35
